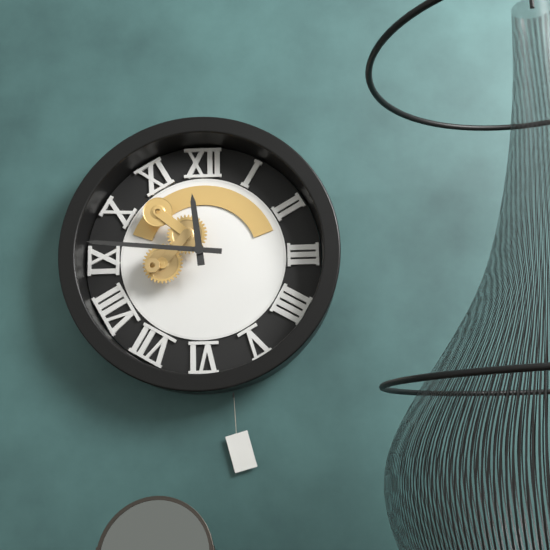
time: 11:46
